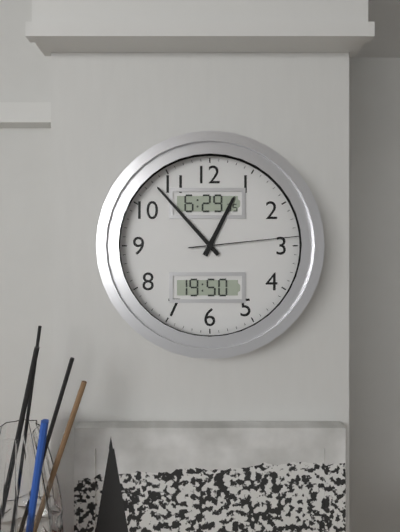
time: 12:53:14
